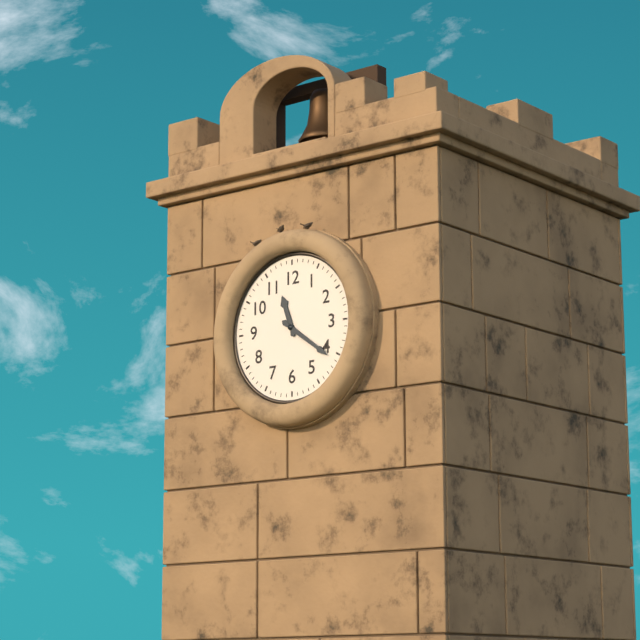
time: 11:21
